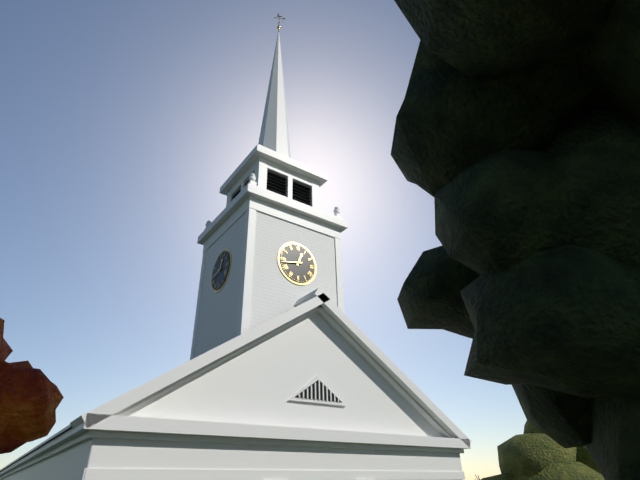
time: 12:43
